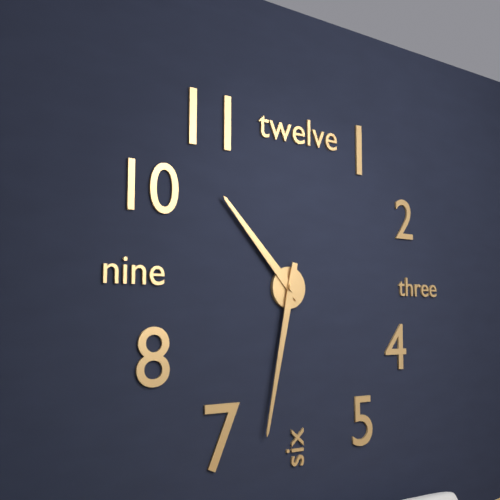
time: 10:32
